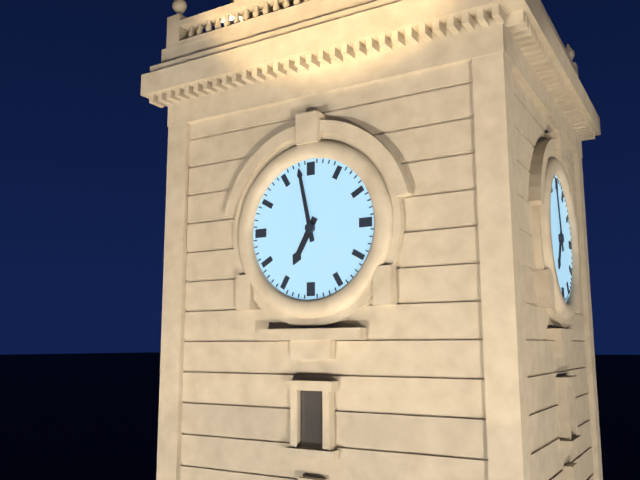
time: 6:58
